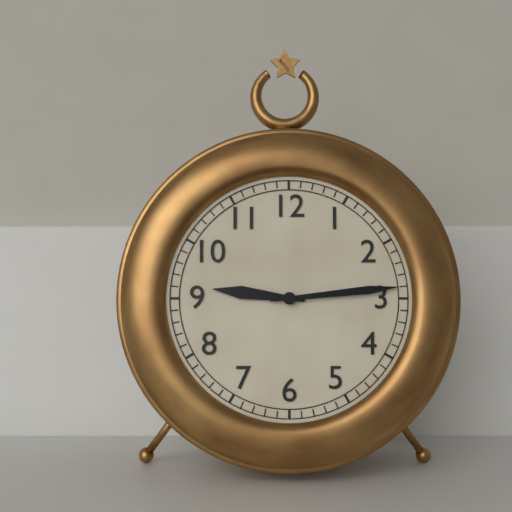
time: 9:14
